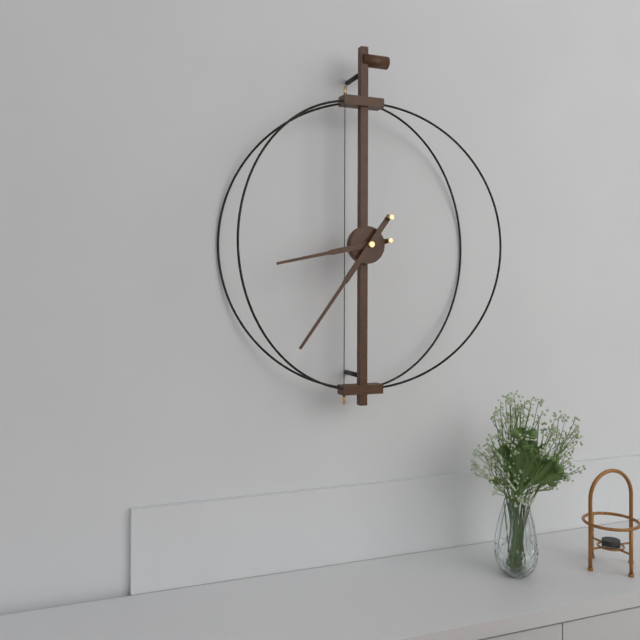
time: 8:36
